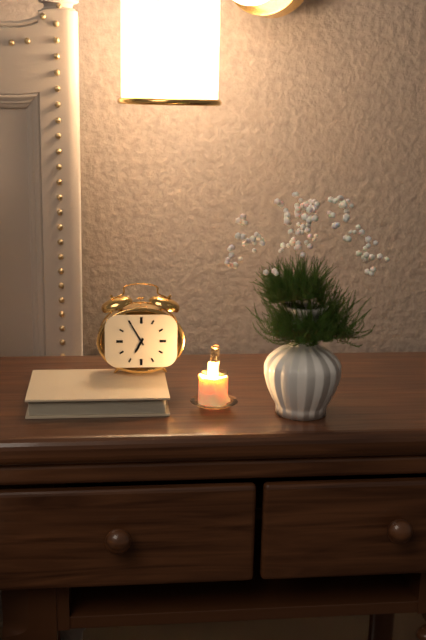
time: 6:55
